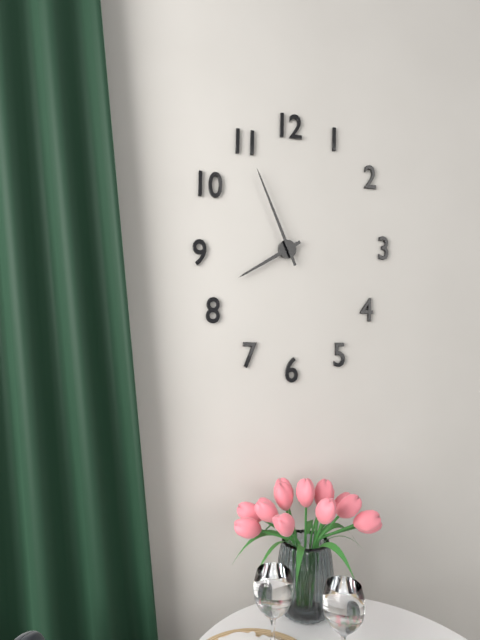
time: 7:56
